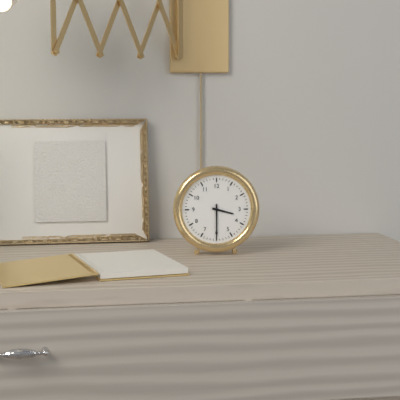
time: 3:30
